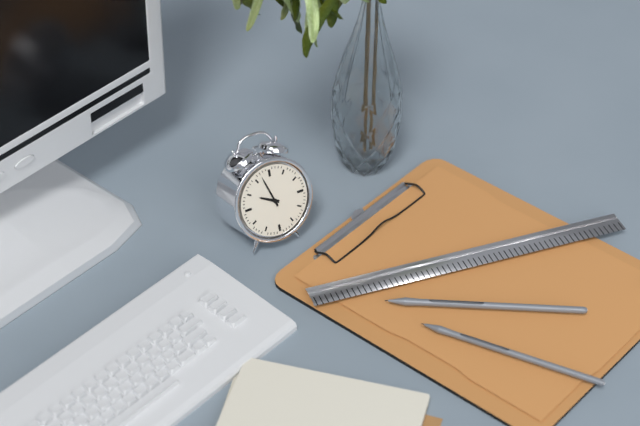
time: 9:57
